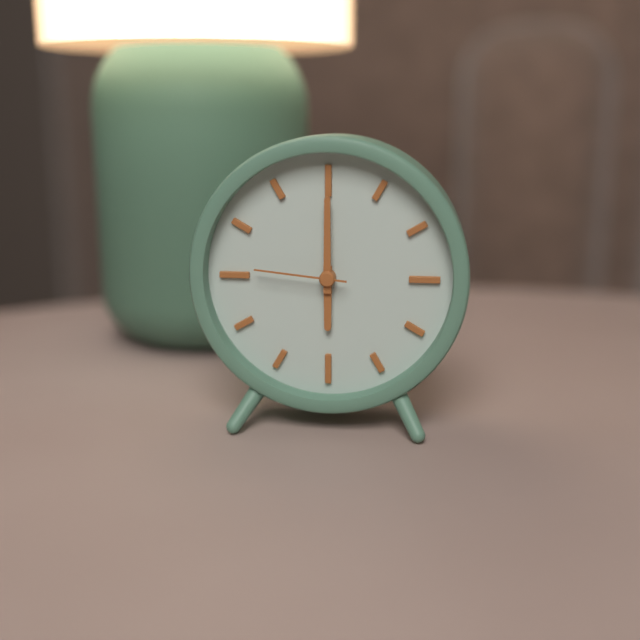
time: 6:00:46
